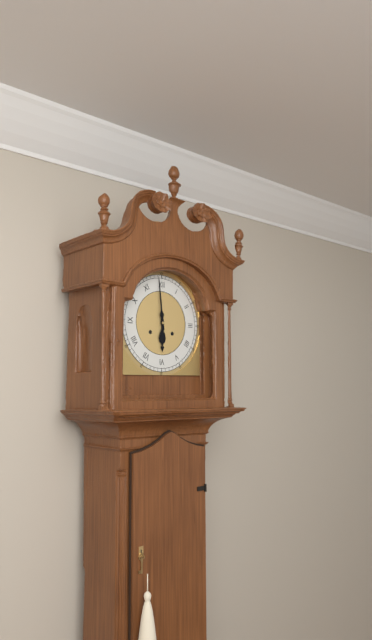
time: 5:59
